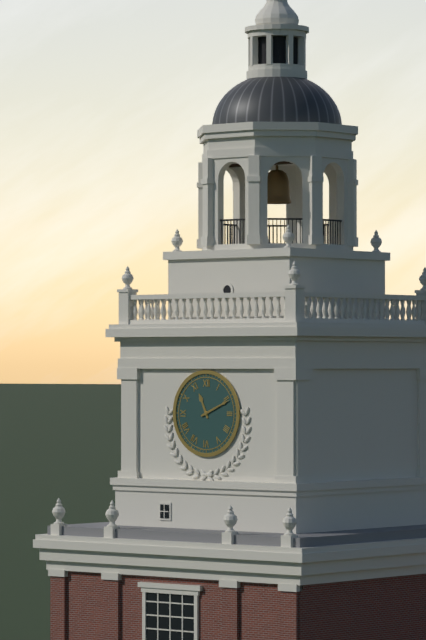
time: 11:11
